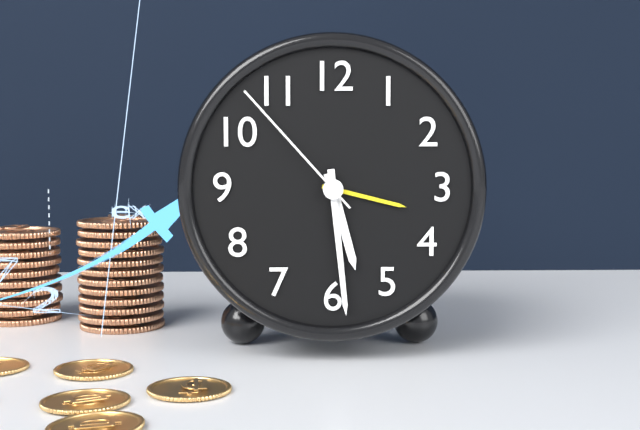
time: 5:29:53
